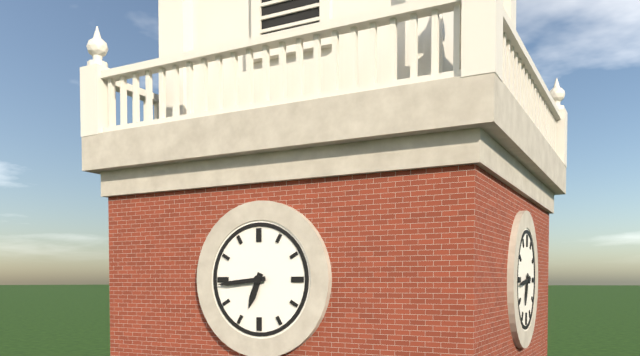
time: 6:44
